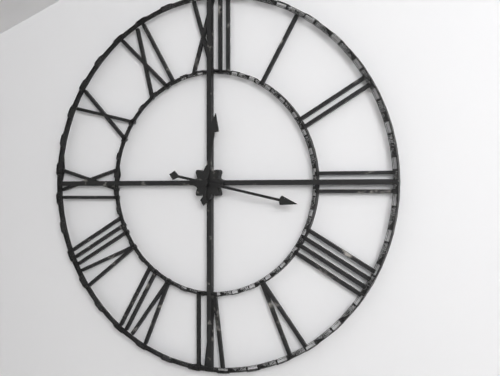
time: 12:17
